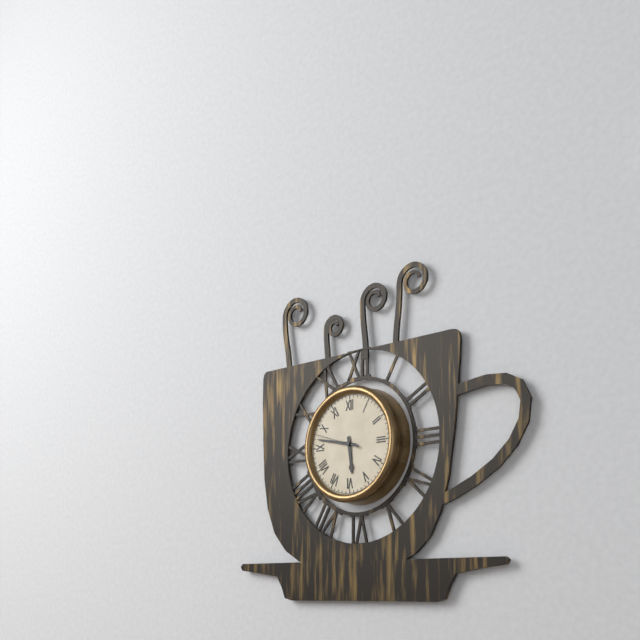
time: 5:47
